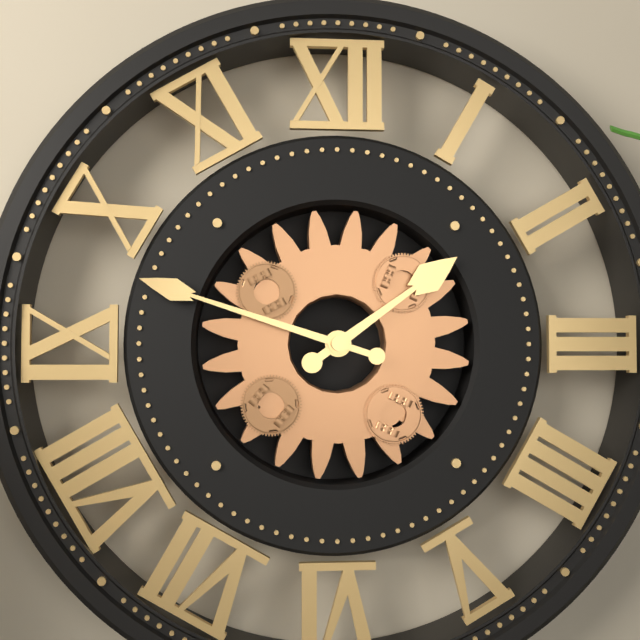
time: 1:48
